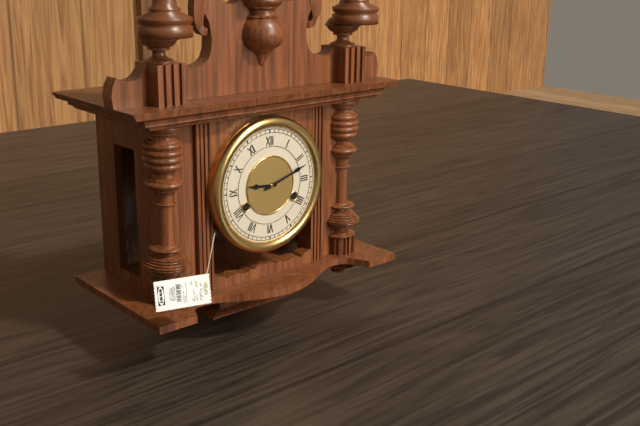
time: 9:12
